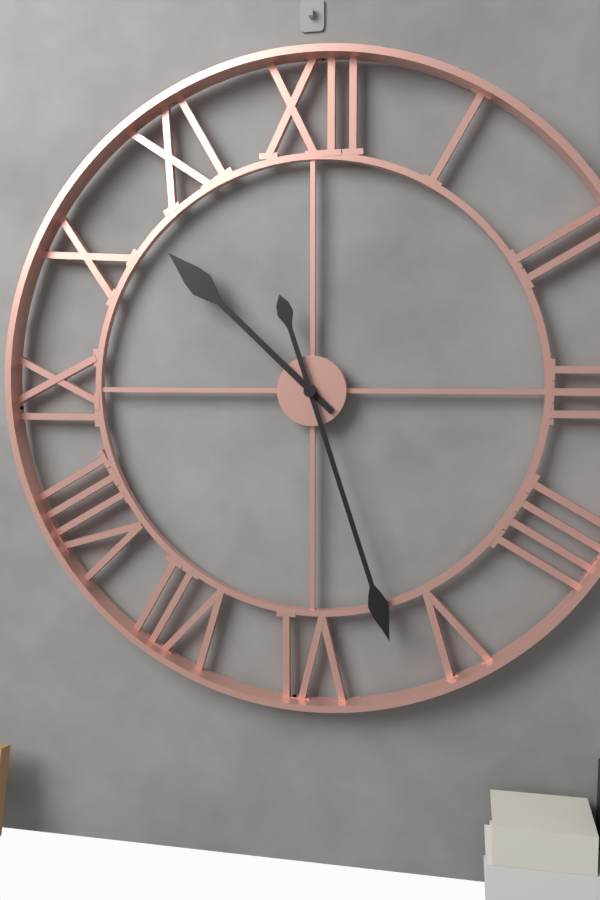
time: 10:27
